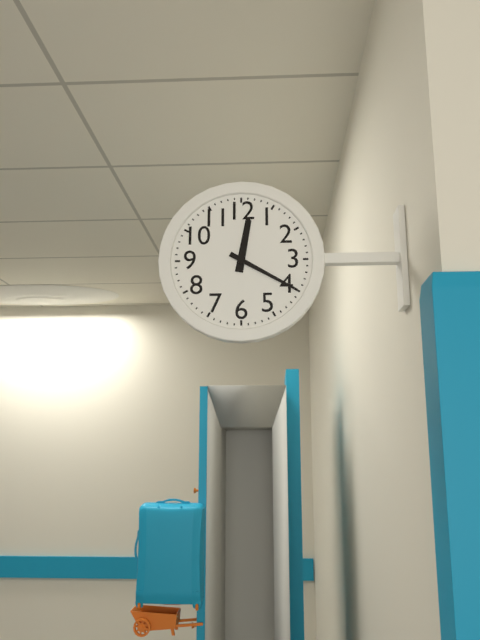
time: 12:20
